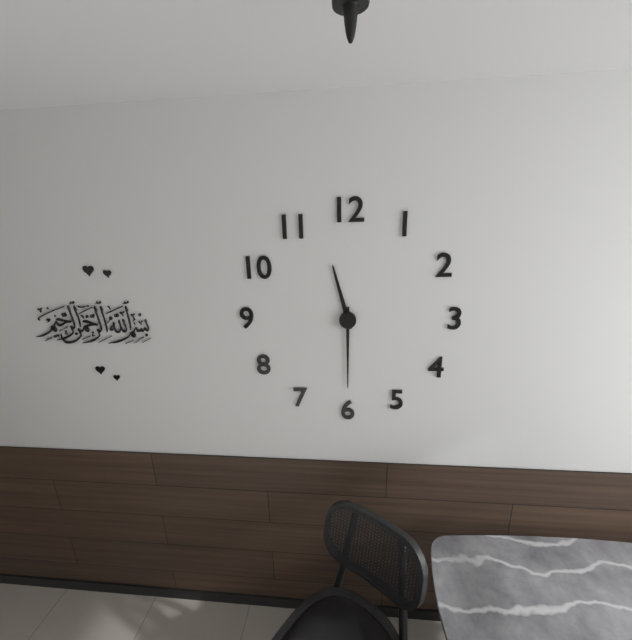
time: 11:30
